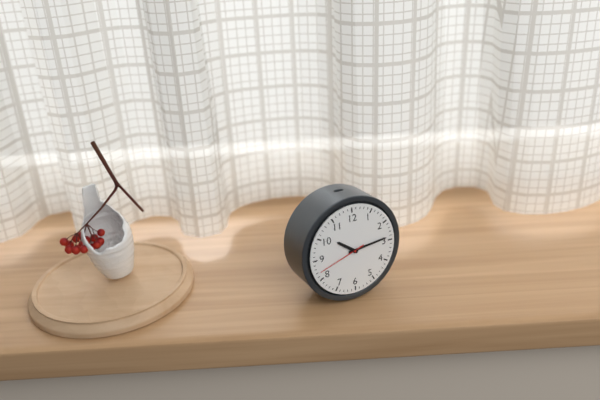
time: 10:14:42
